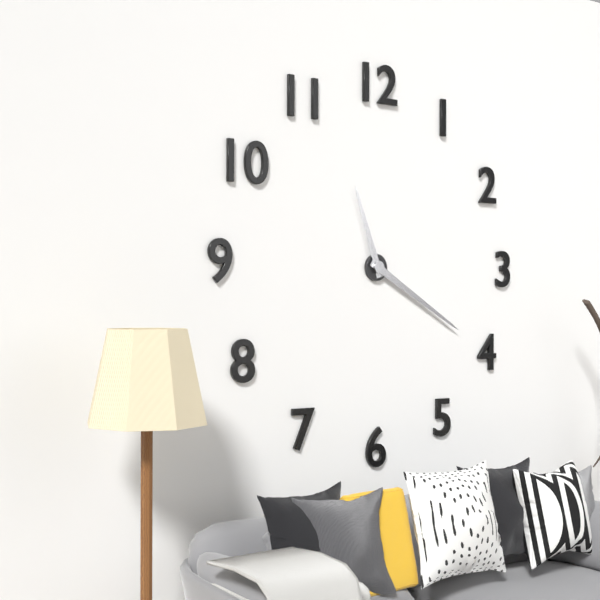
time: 11:20
